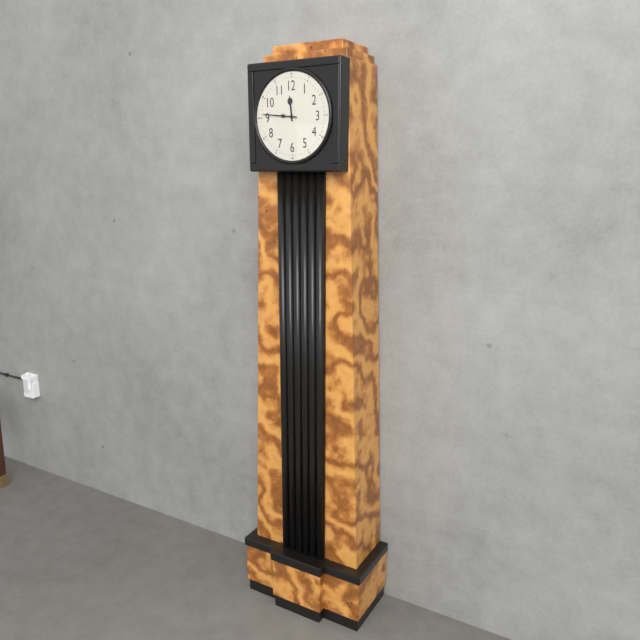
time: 11:46
